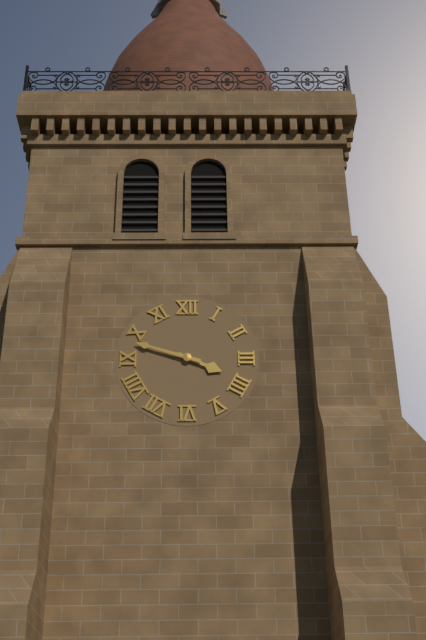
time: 3:48
